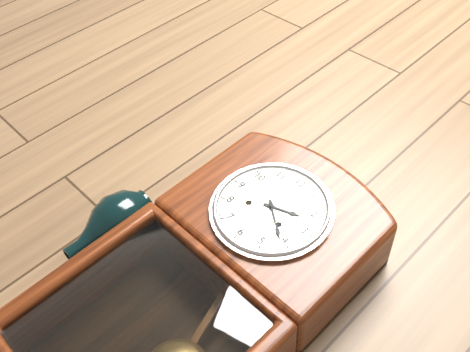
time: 2:21
